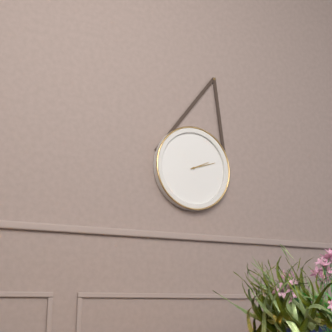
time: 2:12
